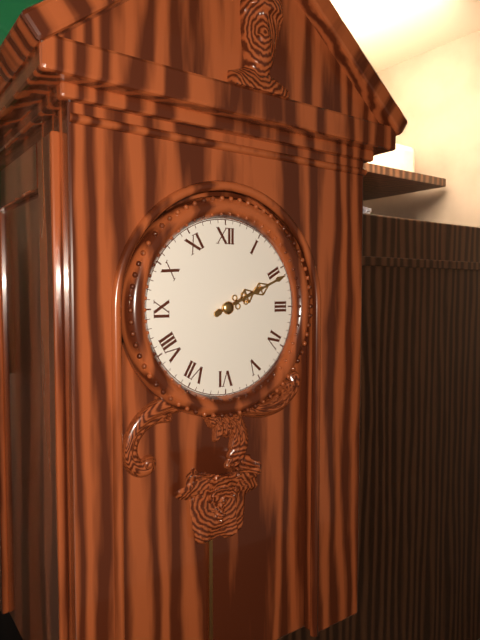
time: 2:11
